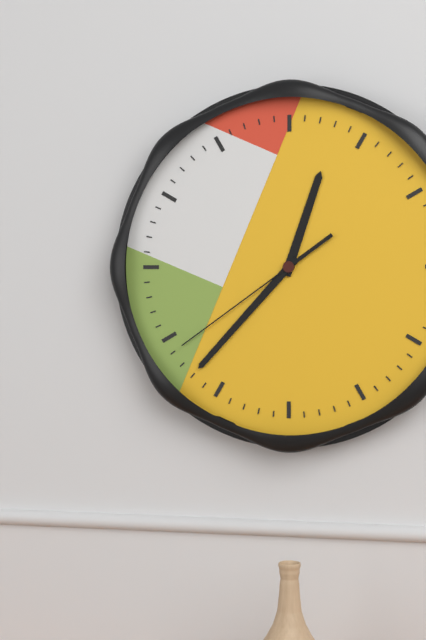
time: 12:37:39
